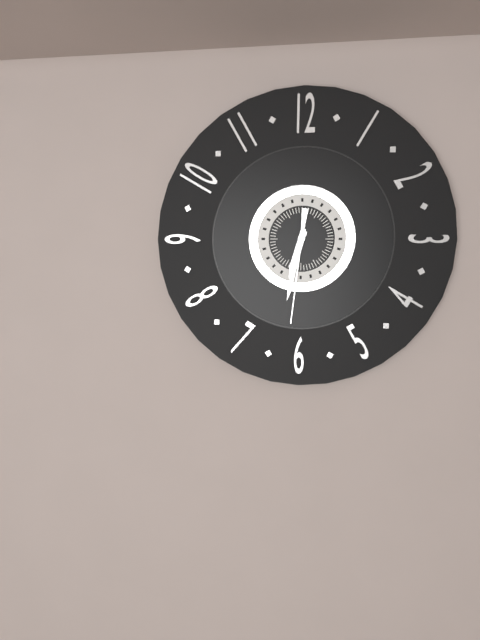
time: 6:32:31
